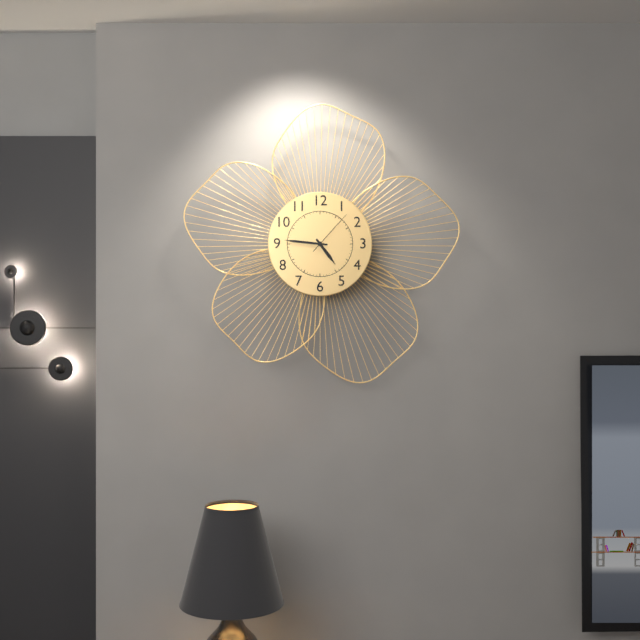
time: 4:46
